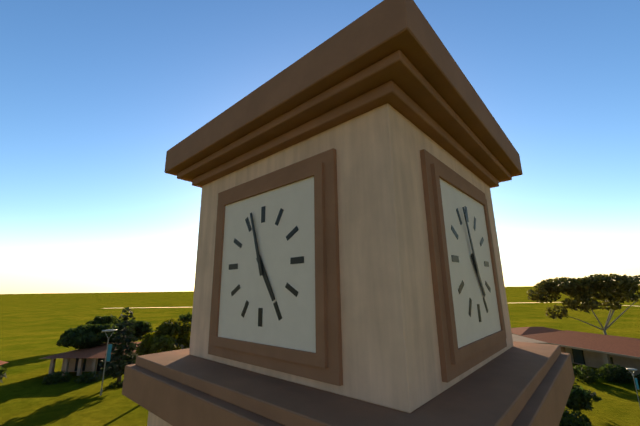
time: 4:57
